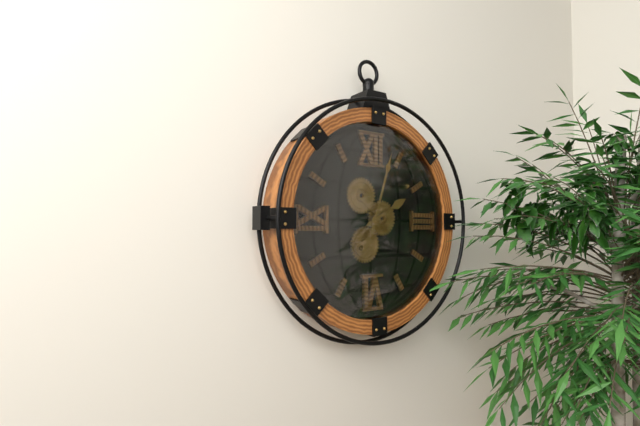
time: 2:03
